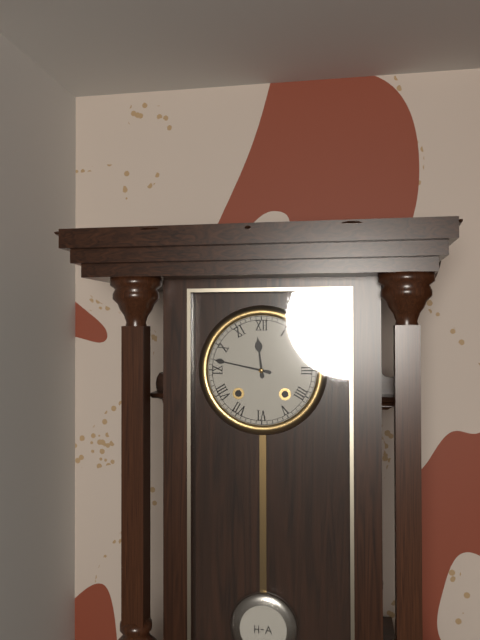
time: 11:47
